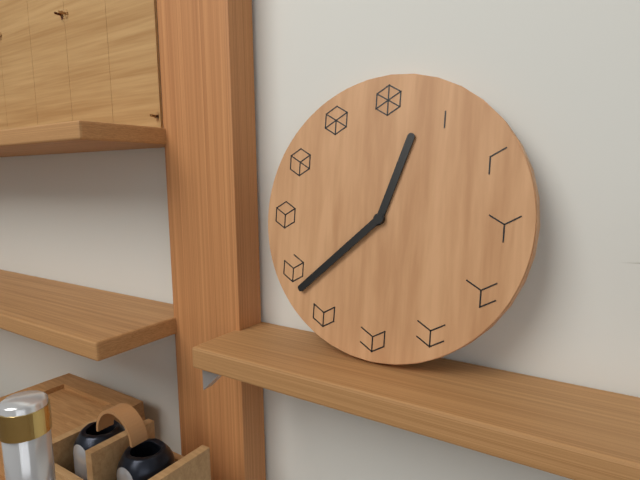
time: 12:38
